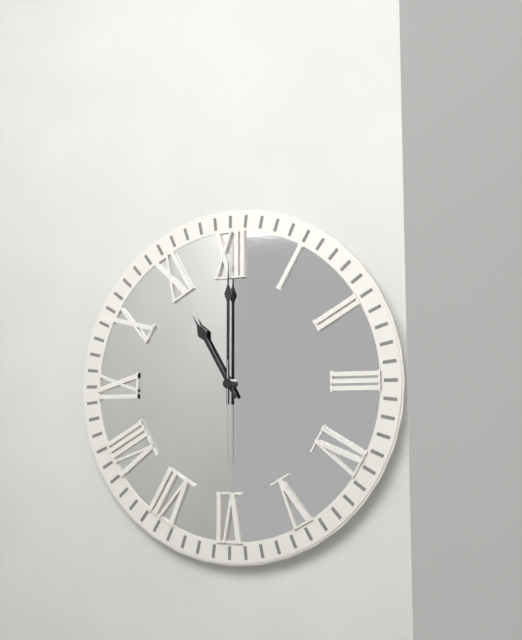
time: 11:00:30
